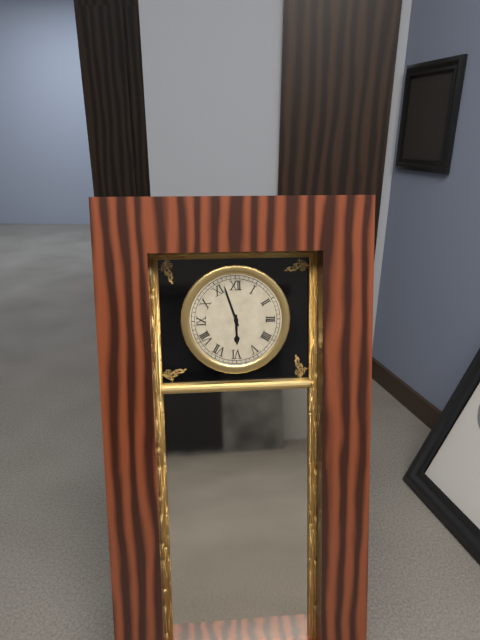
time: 5:57
